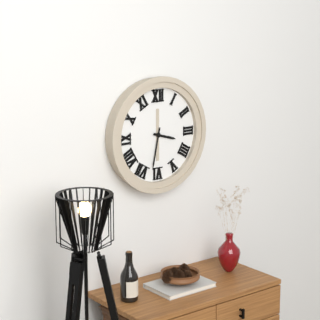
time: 3:32
